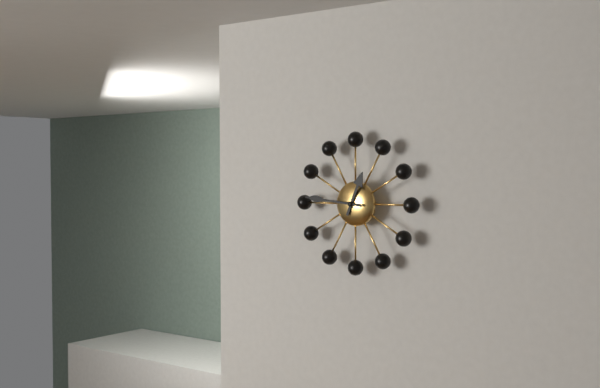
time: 12:46
